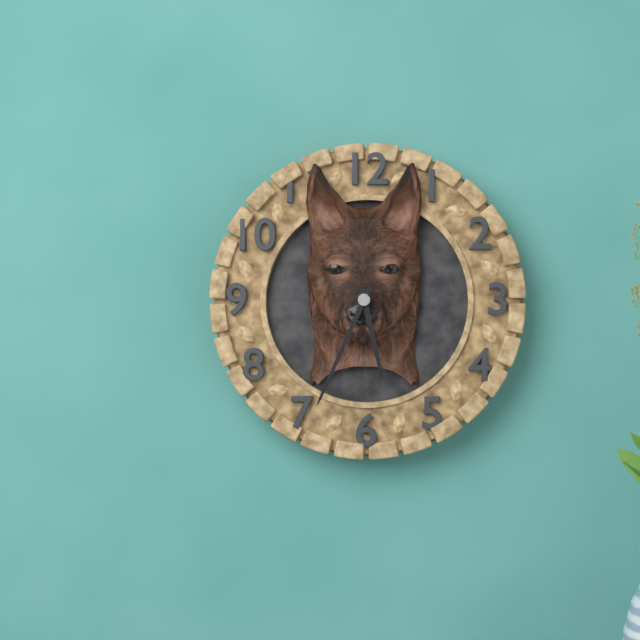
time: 5:34
